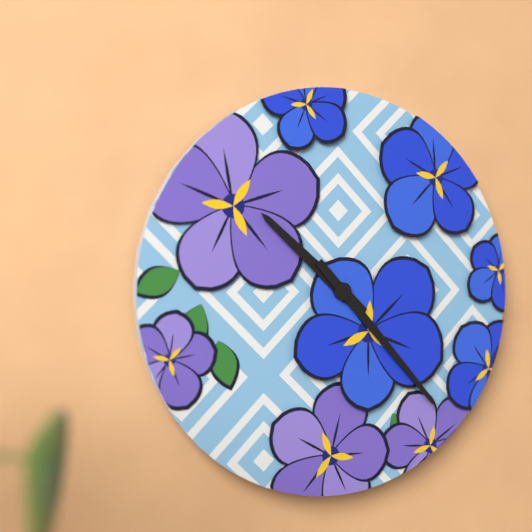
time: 10:23
